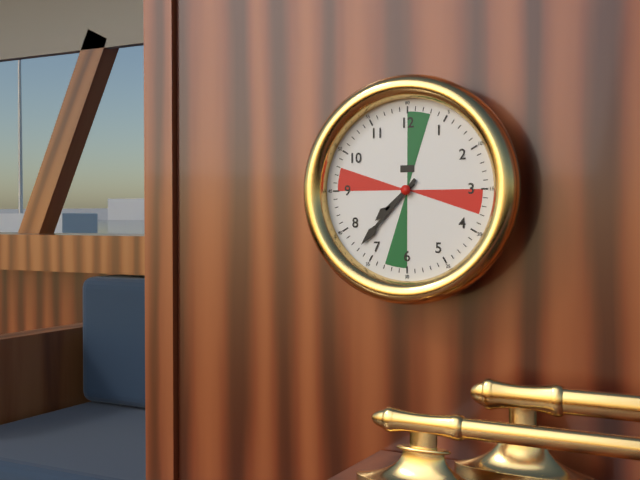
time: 7:37
